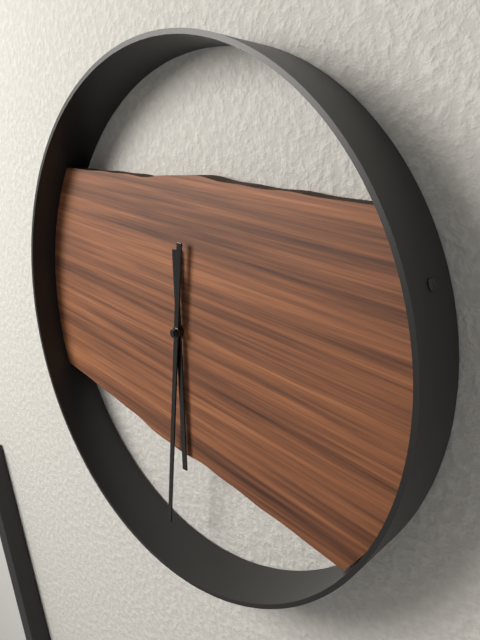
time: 6:34
